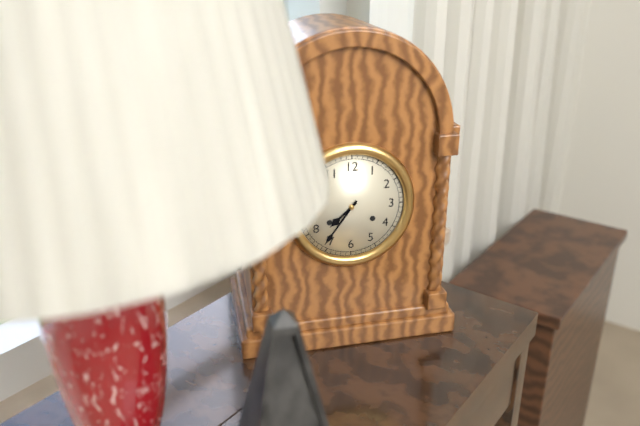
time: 7:36
